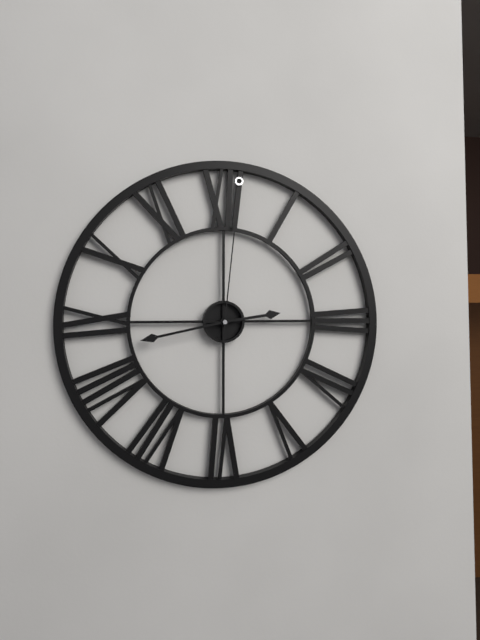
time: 2:43:01
